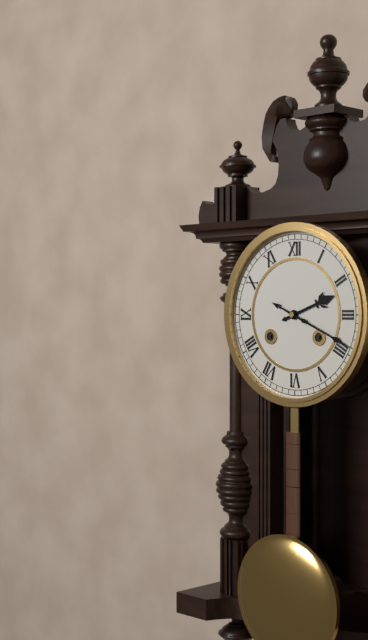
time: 2:19
